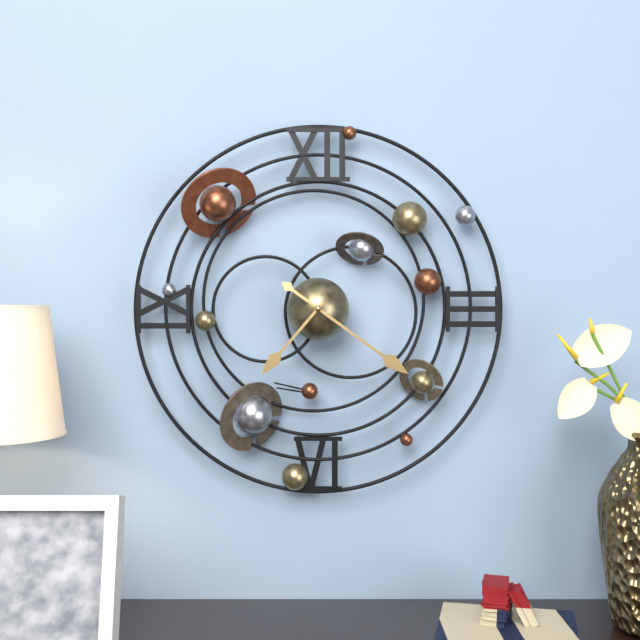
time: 7:21
